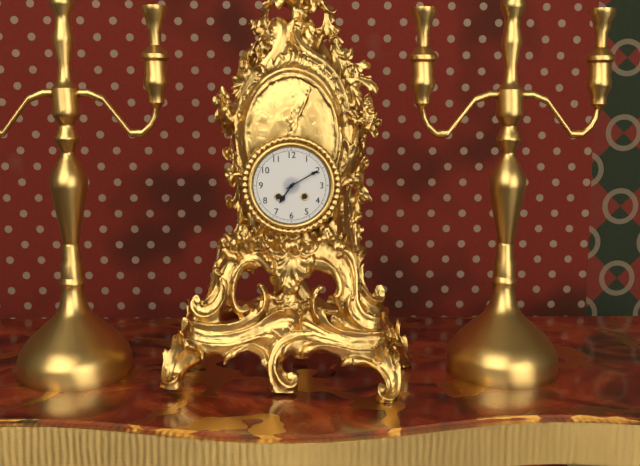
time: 7:10
